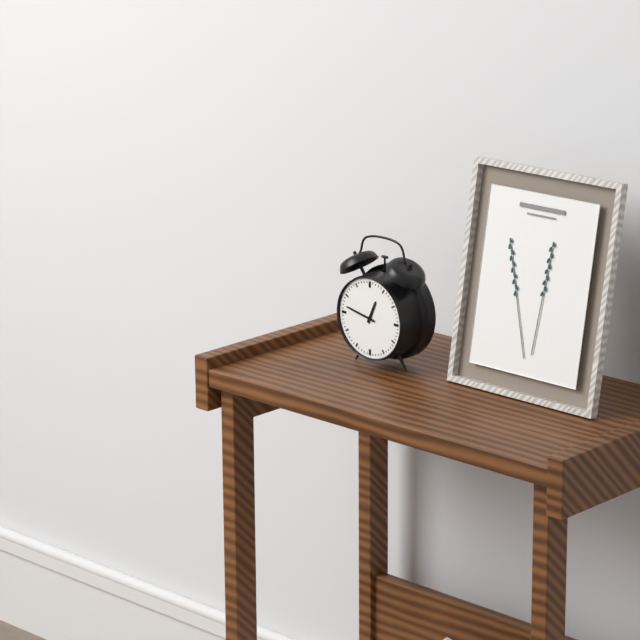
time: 12:47
